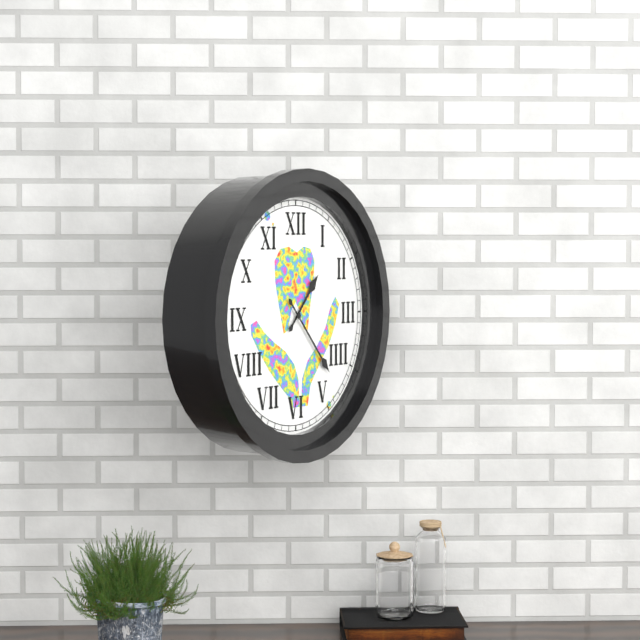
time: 1:23
